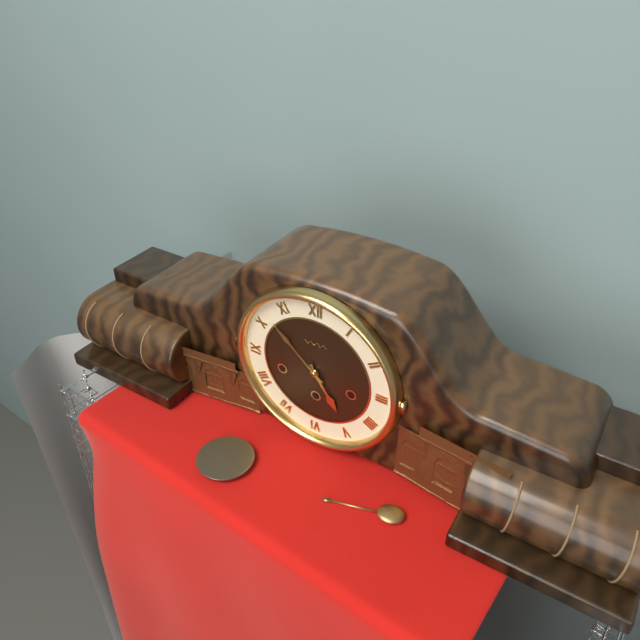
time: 4:52
